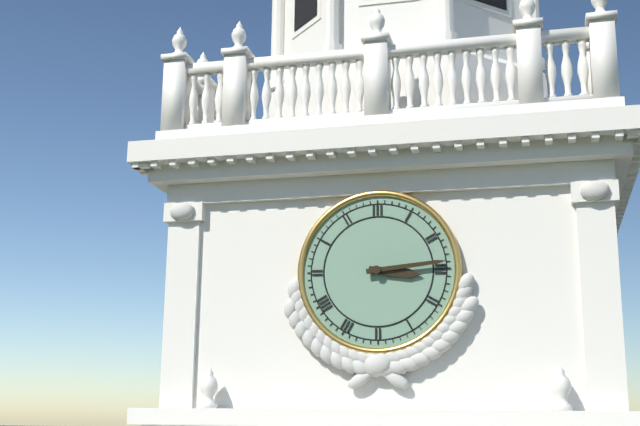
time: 3:14
